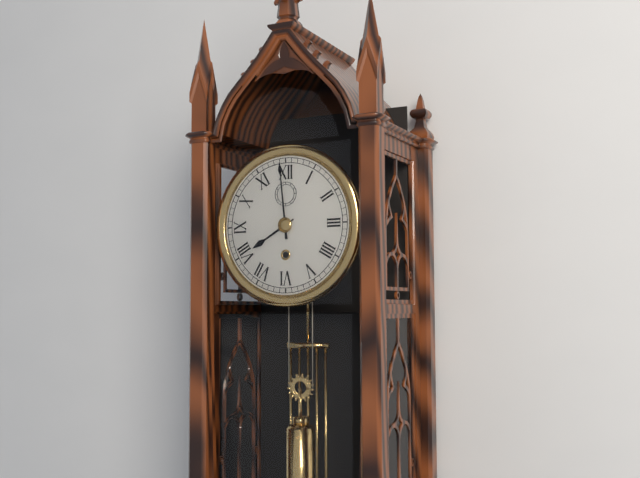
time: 7:59
